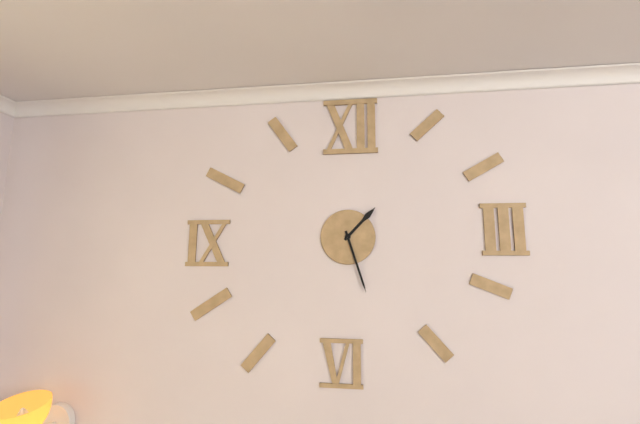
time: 1:27
